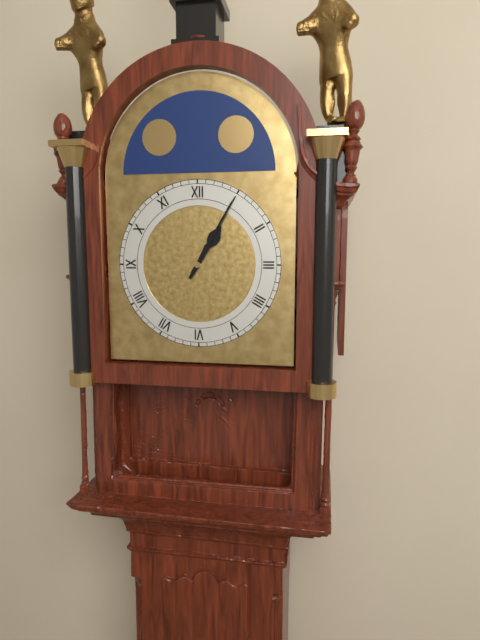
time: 1:05
